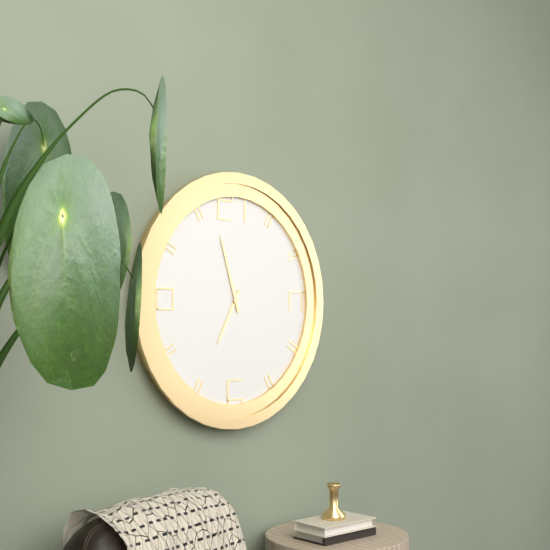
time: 6:57
